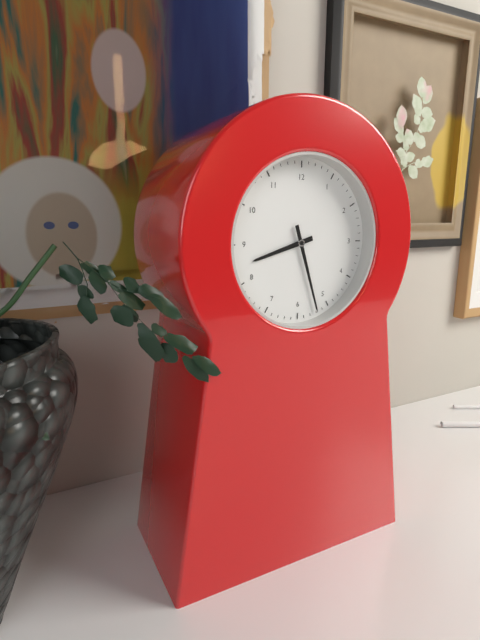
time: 8:27
